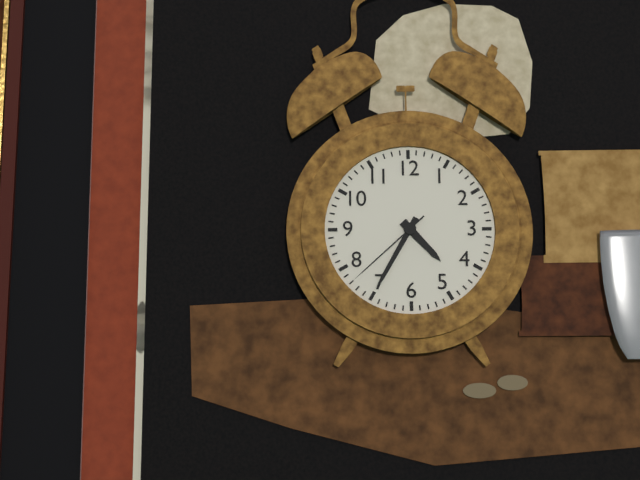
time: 4:35:38
